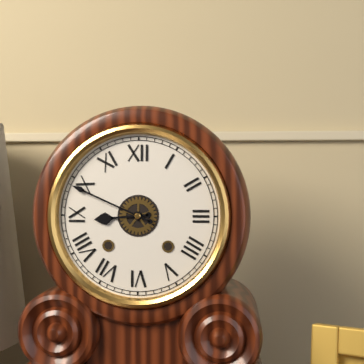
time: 8:49
